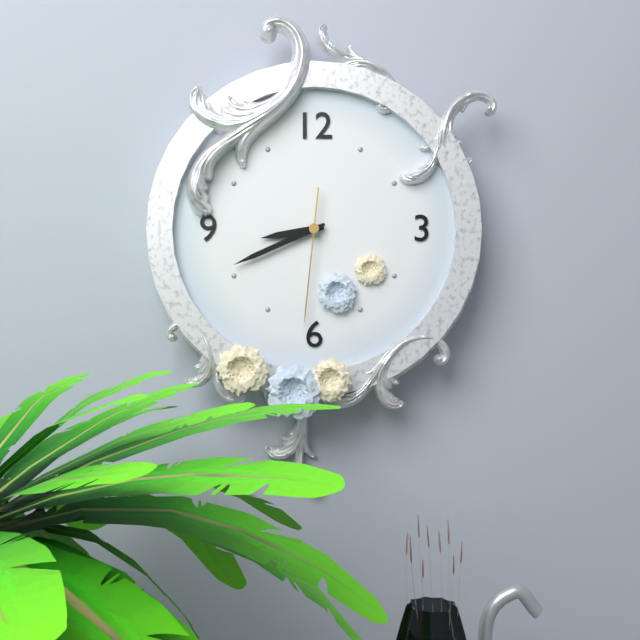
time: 8:41:31
